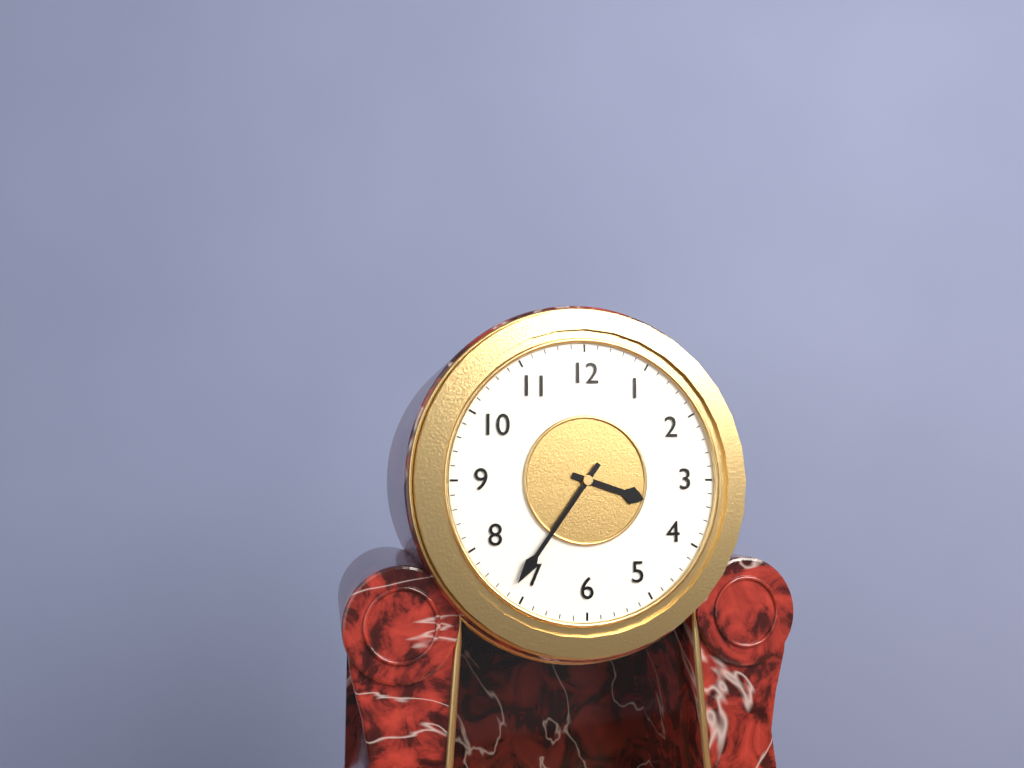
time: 3:36
